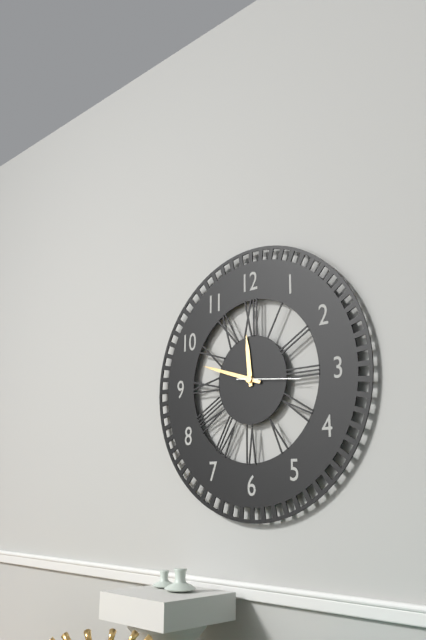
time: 11:48:16
